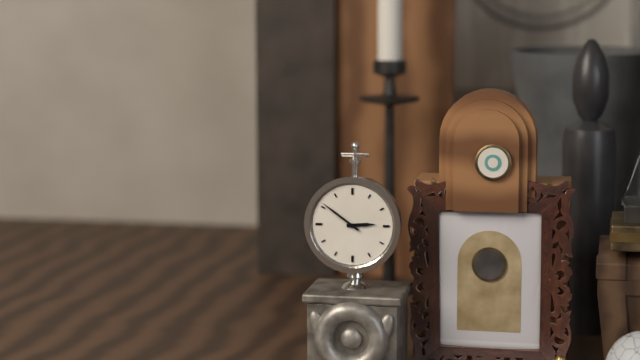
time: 2:51
